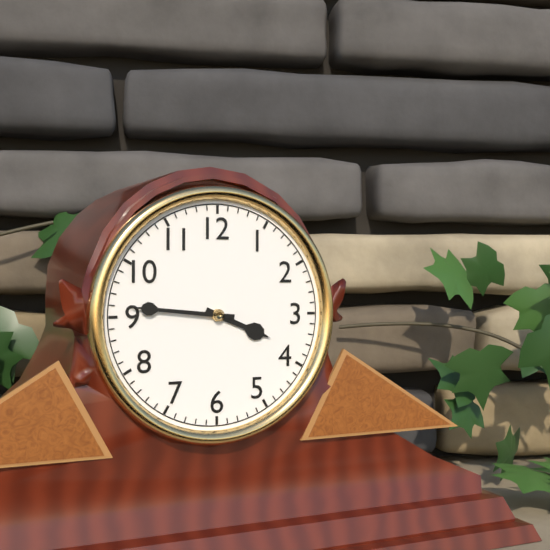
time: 3:46
